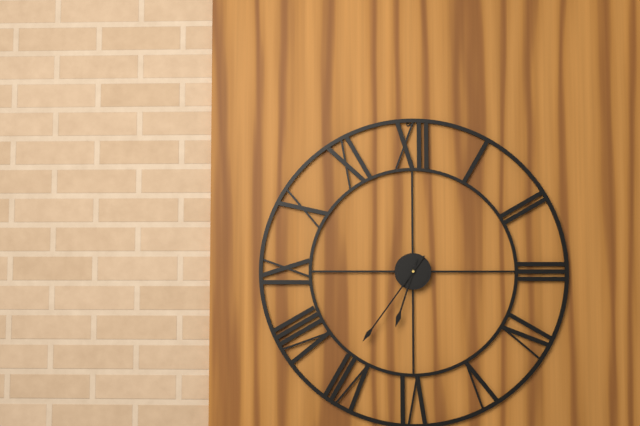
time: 6:36
